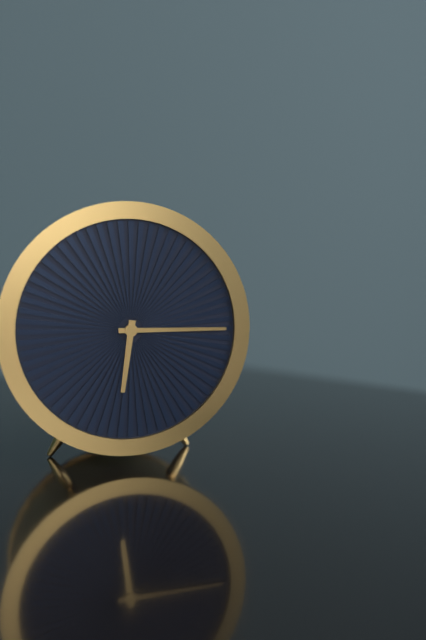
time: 6:15
